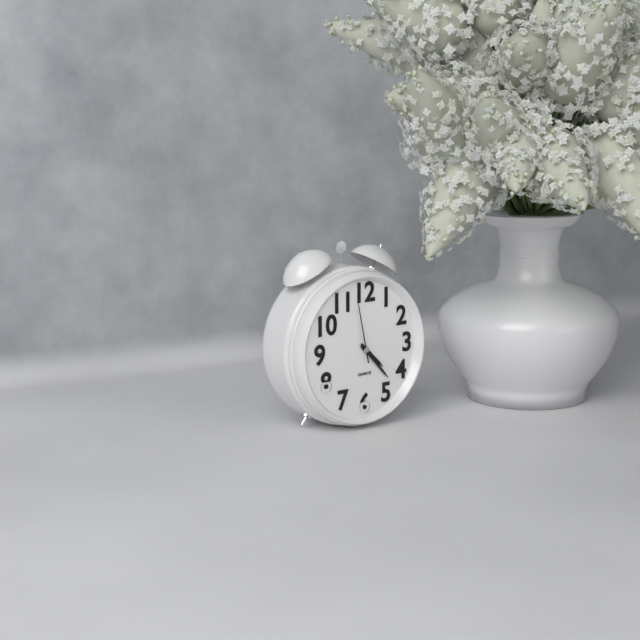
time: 4:23:58
